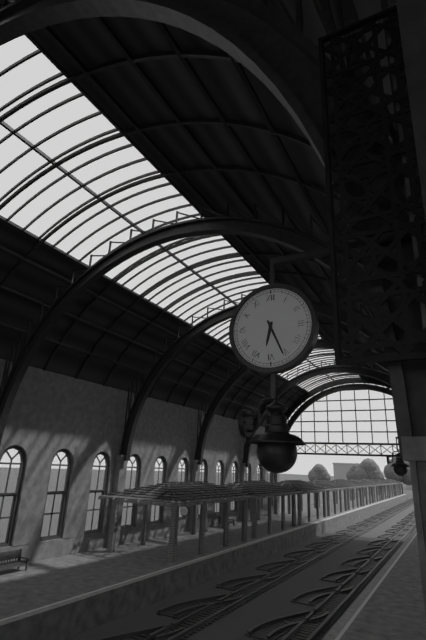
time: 6:26
